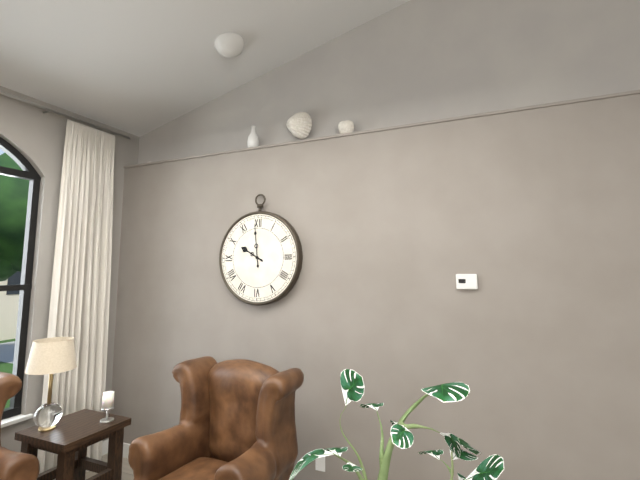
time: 9:59
